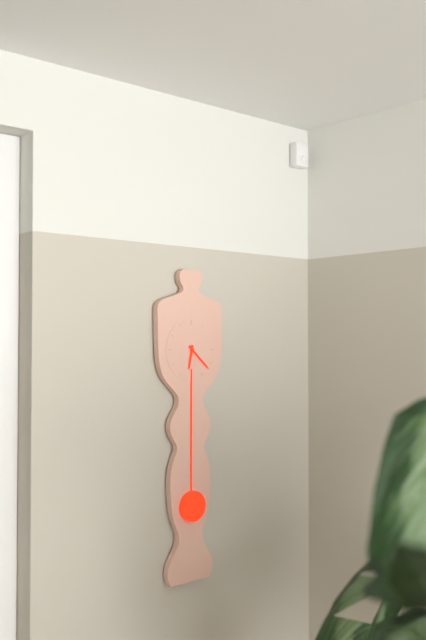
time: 6:22
